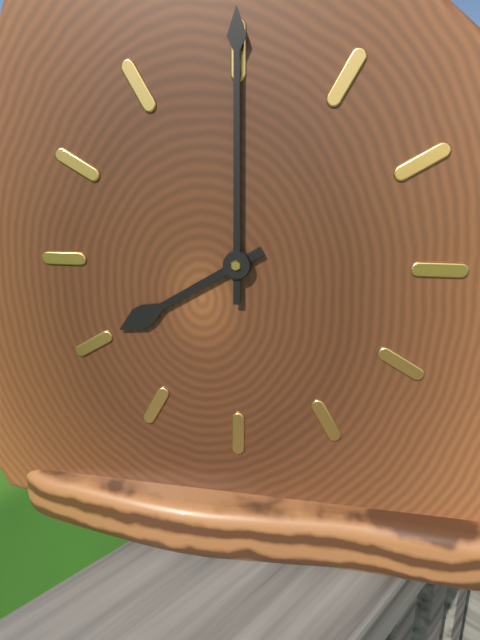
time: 8:00
